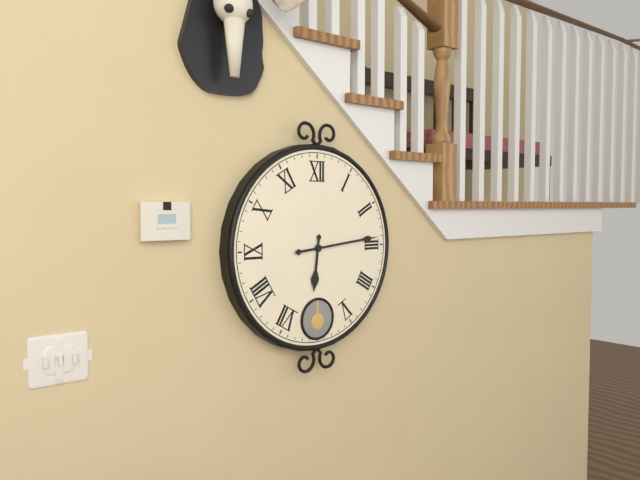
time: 6:14
